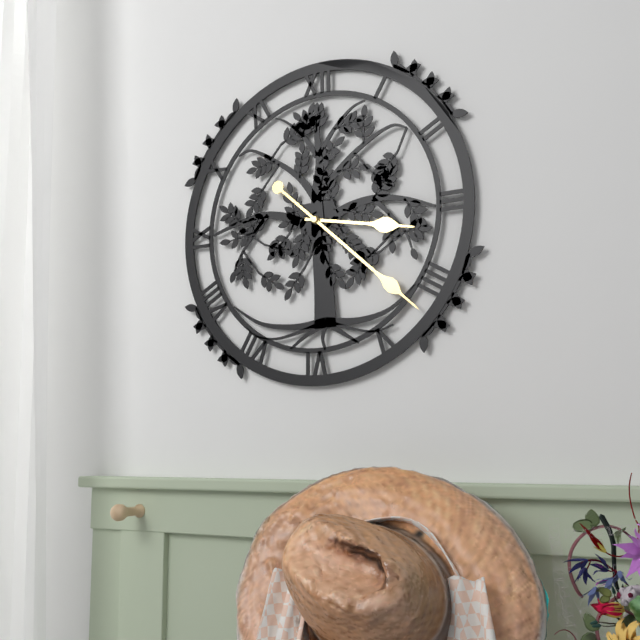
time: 3:22
